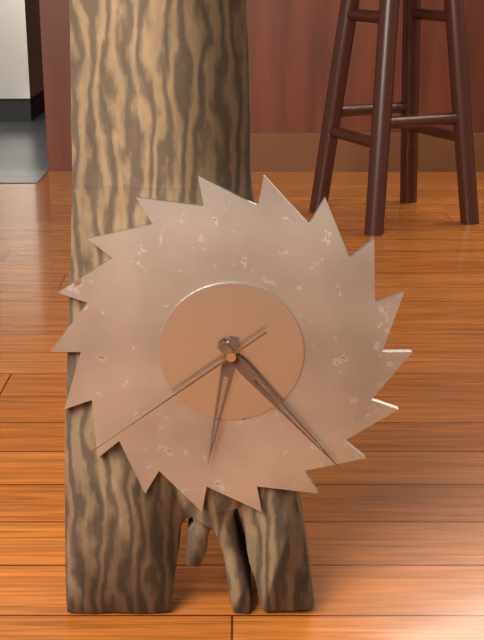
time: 6:23:39
